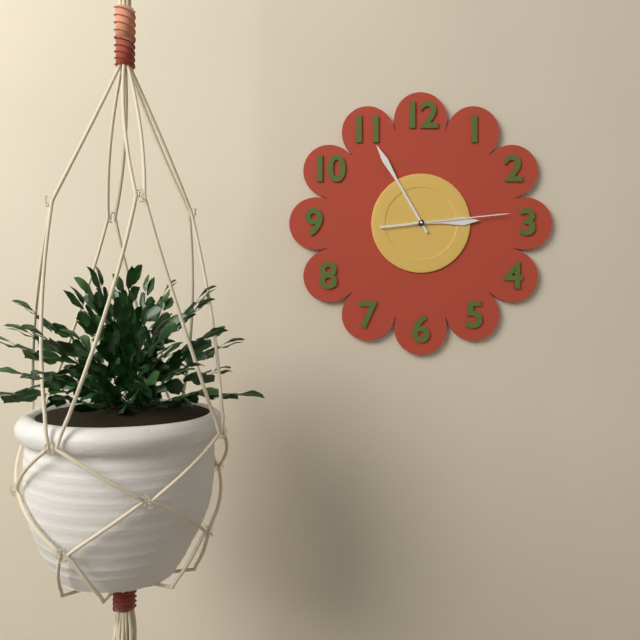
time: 2:55:14
